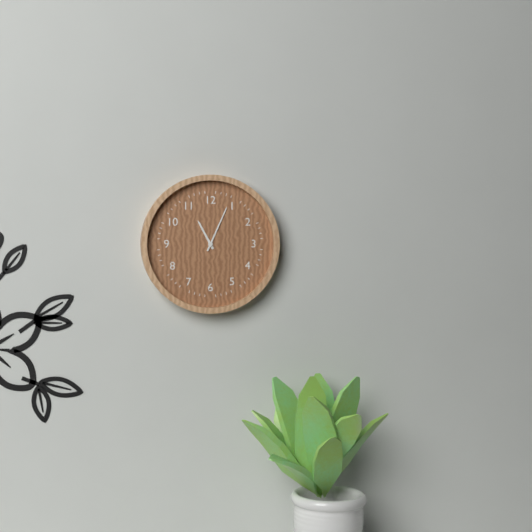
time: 11:04
